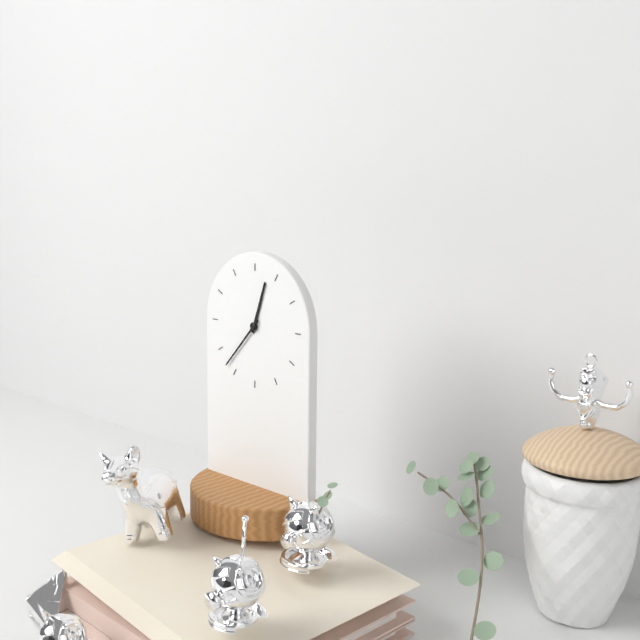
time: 12:37
